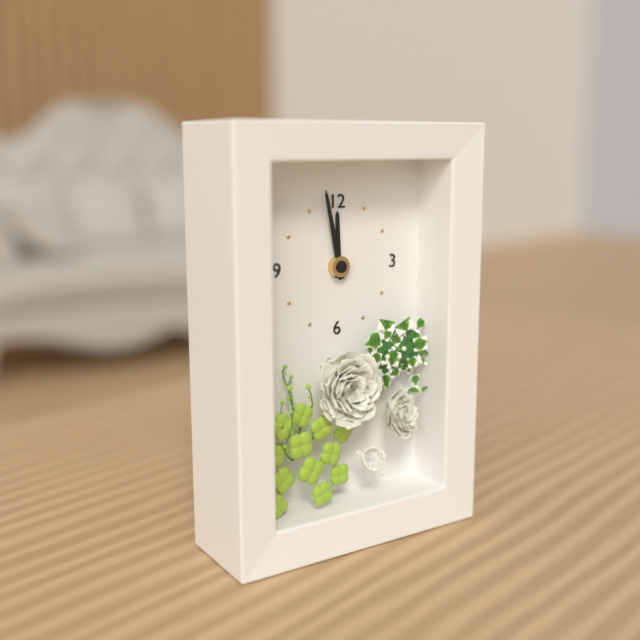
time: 11:58
